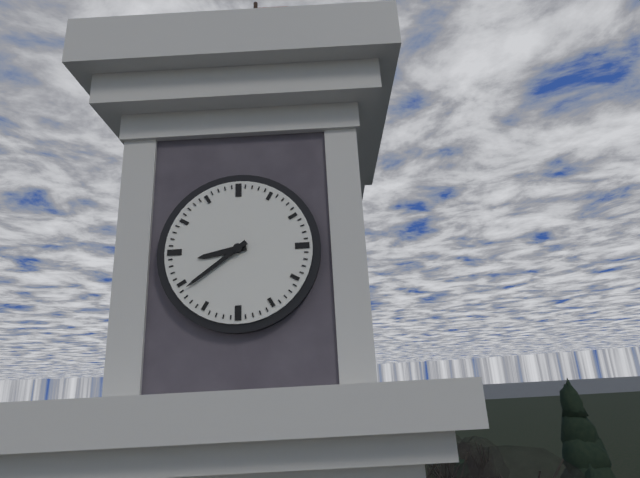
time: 8:39
